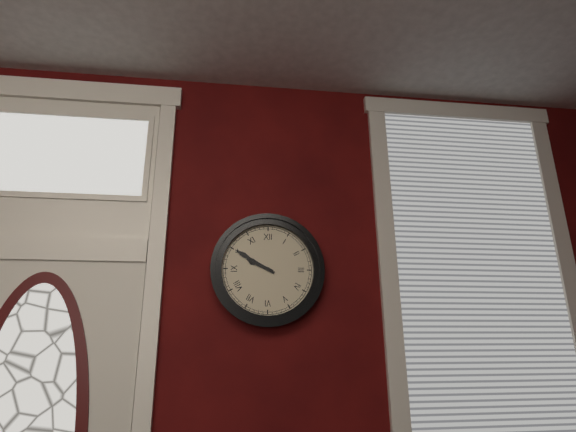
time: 9:50
